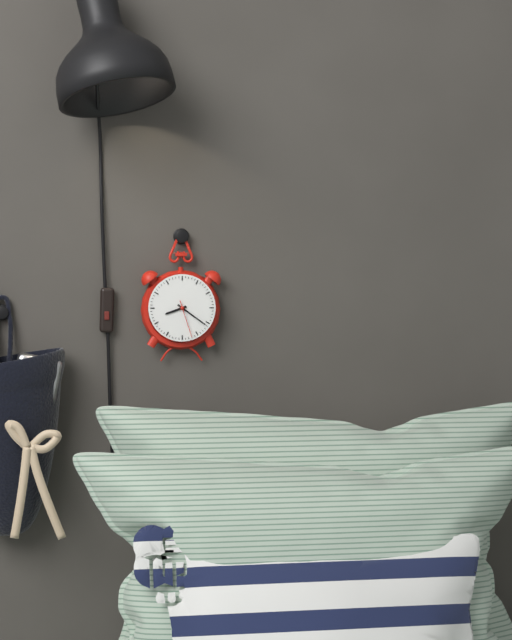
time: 8:21
